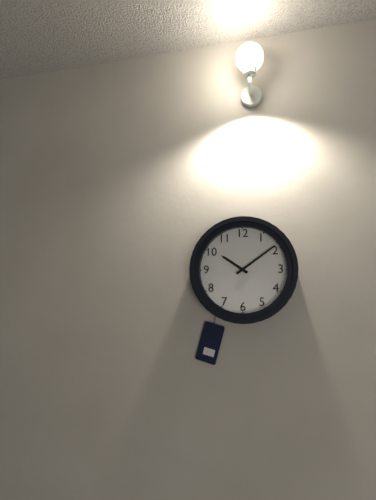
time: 10:09
